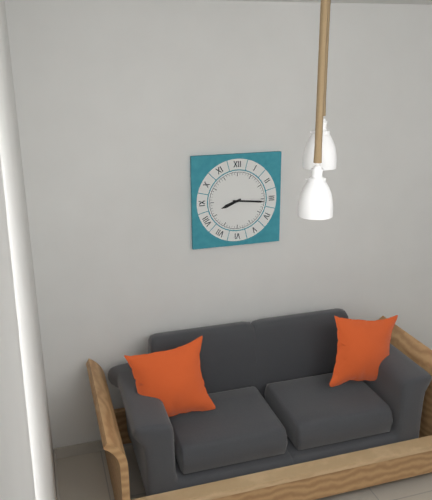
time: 8:16
